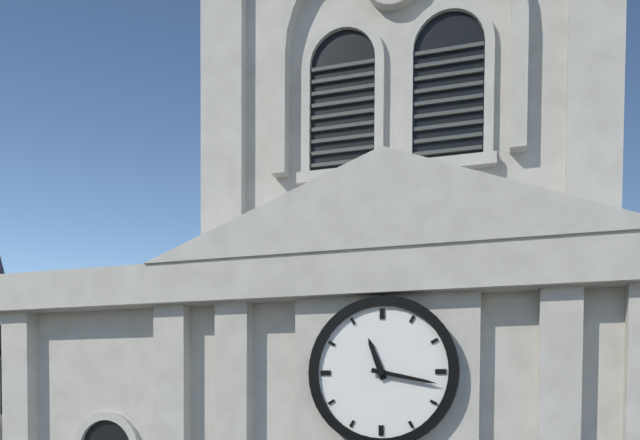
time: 11:17
